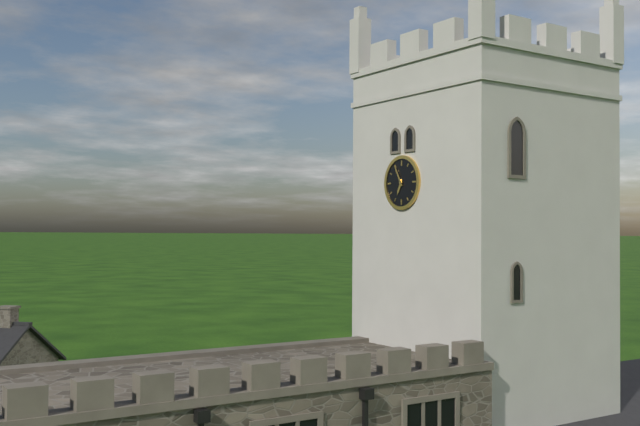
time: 6:55
